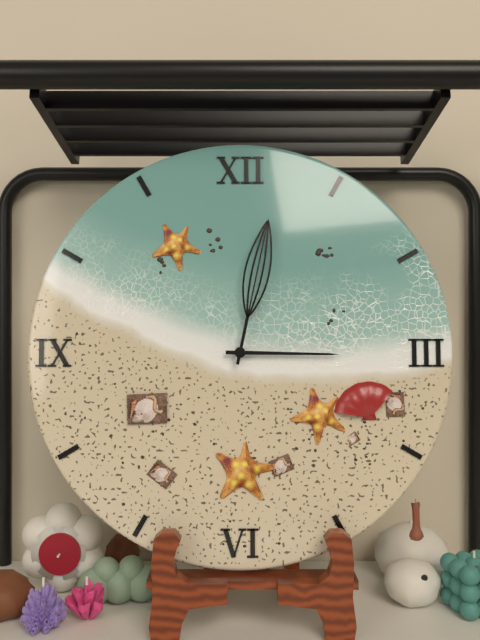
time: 3:02
